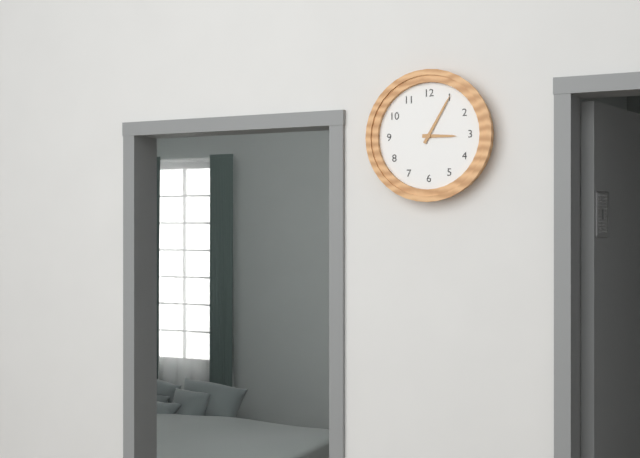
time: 3:05
